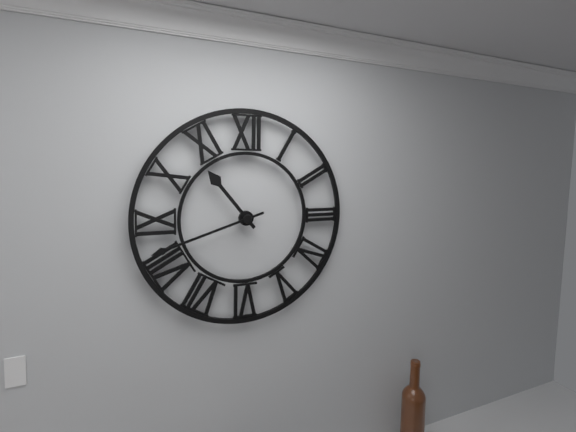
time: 10:42
